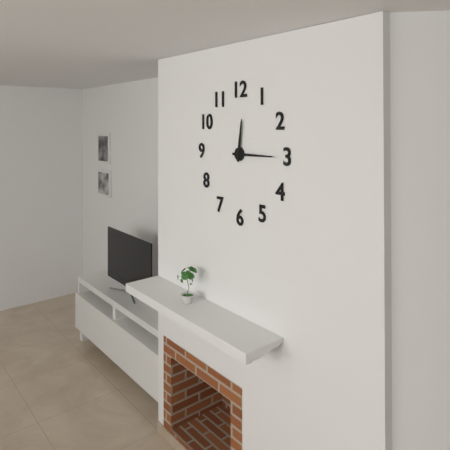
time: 12:15
